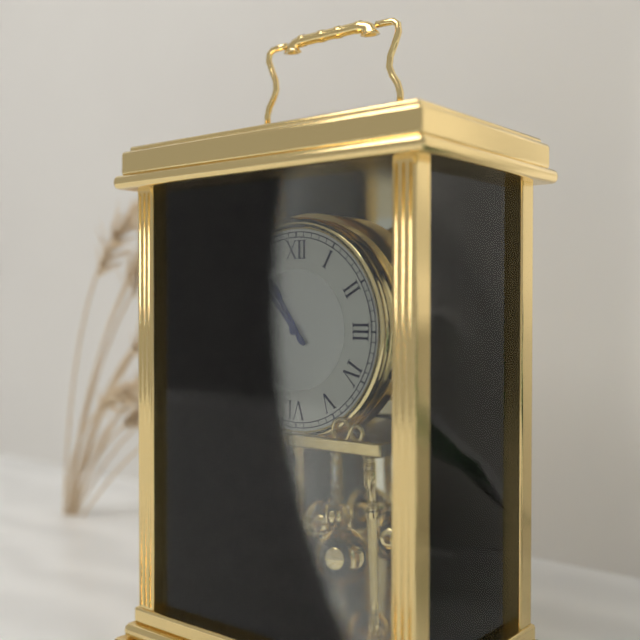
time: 10:53
